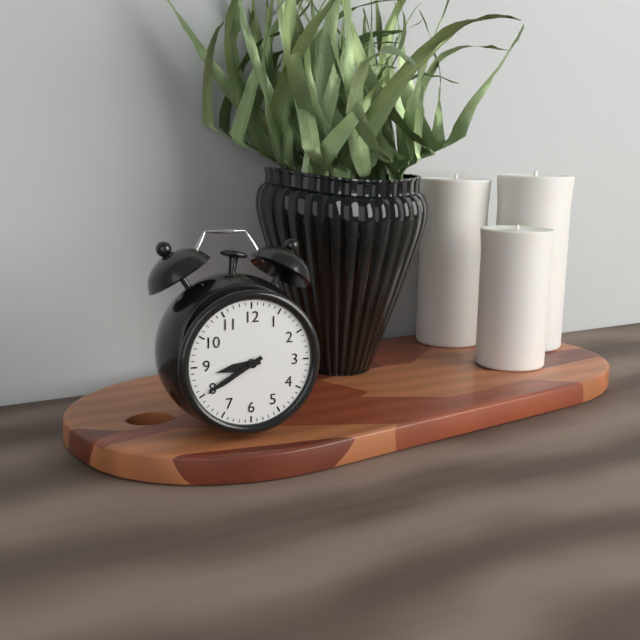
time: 8:40
